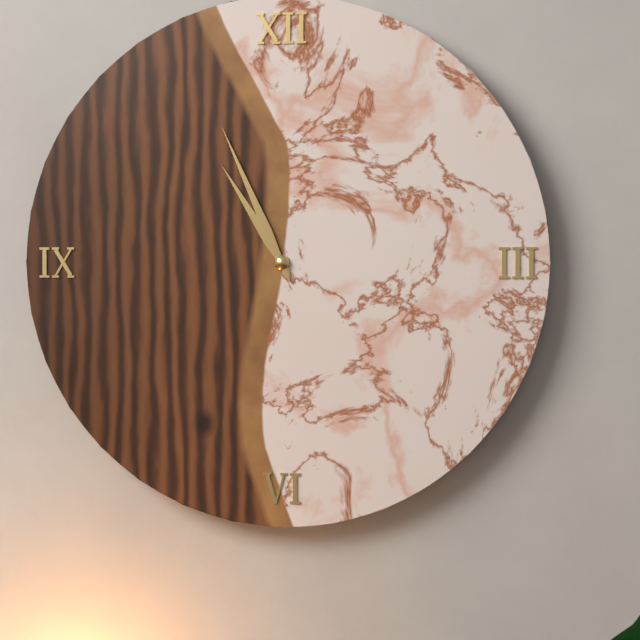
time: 10:56
